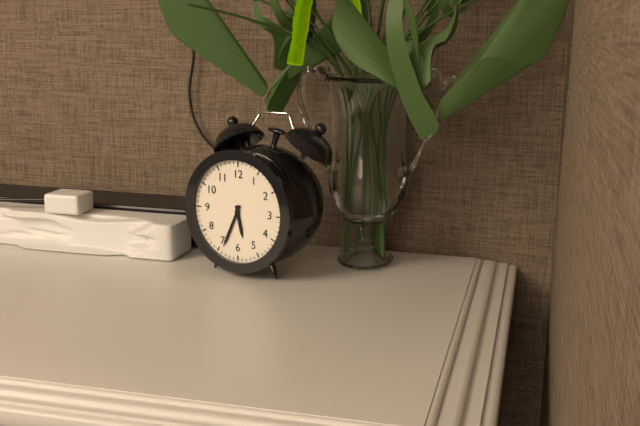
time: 5:34
